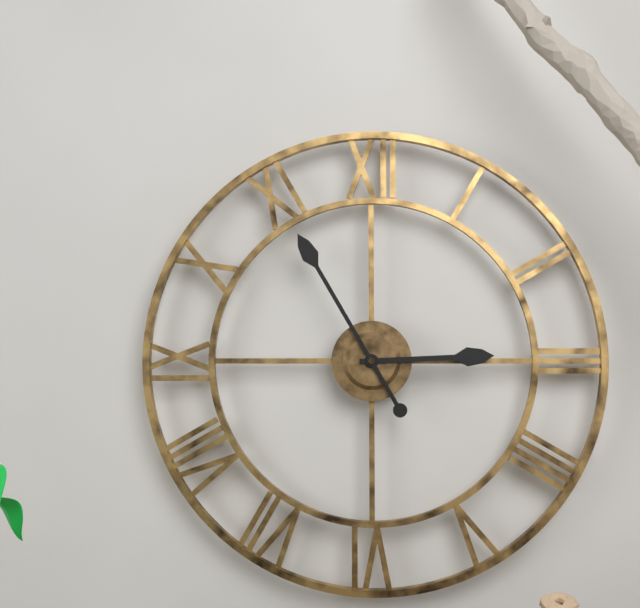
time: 2:55
